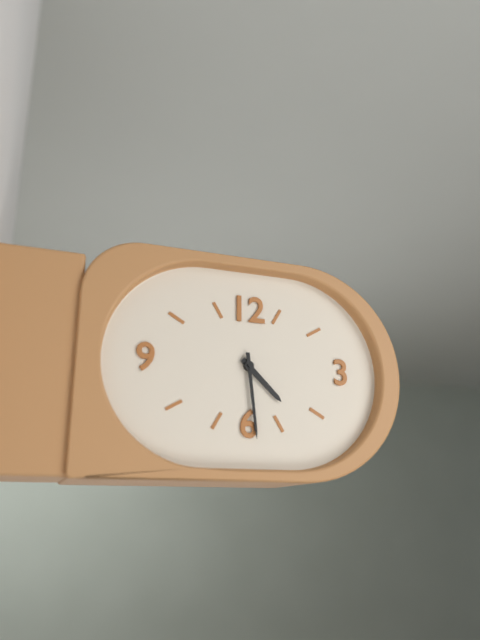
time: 4:29
